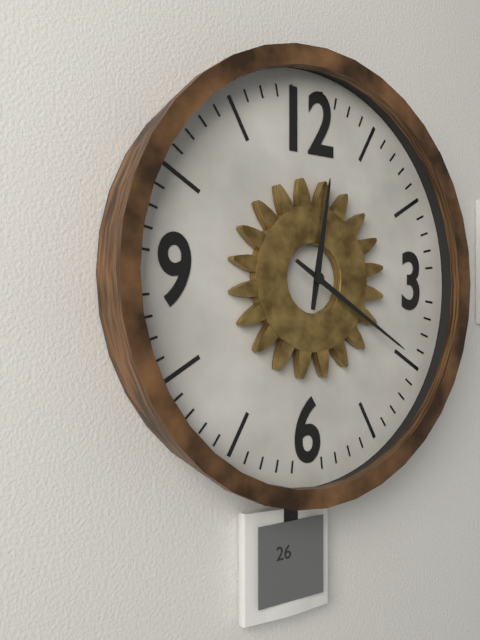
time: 12:20
